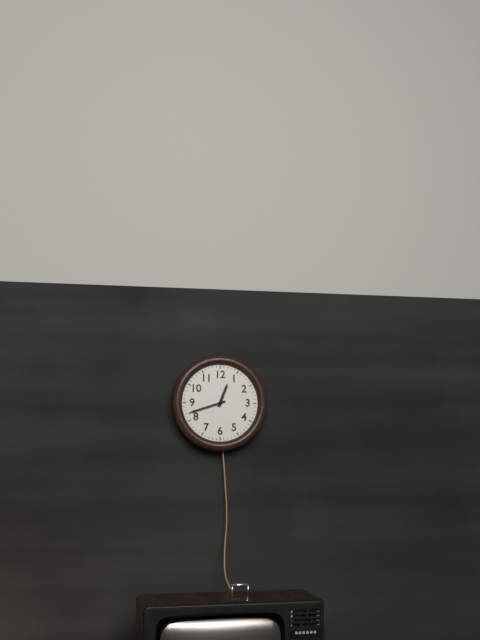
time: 12:42
